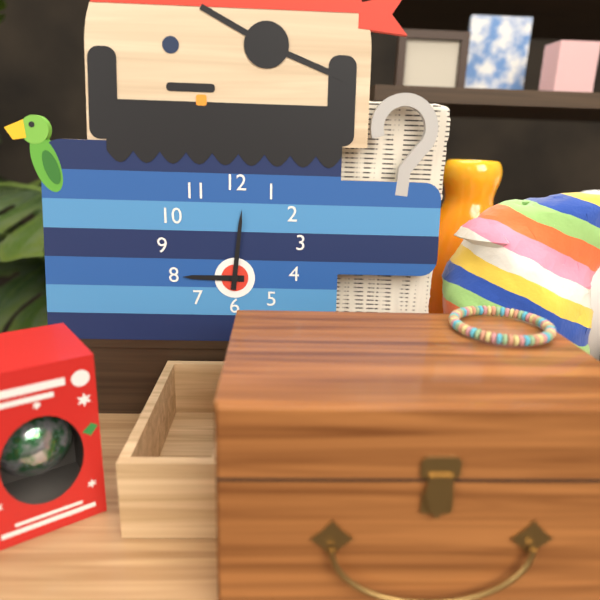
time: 9:01
